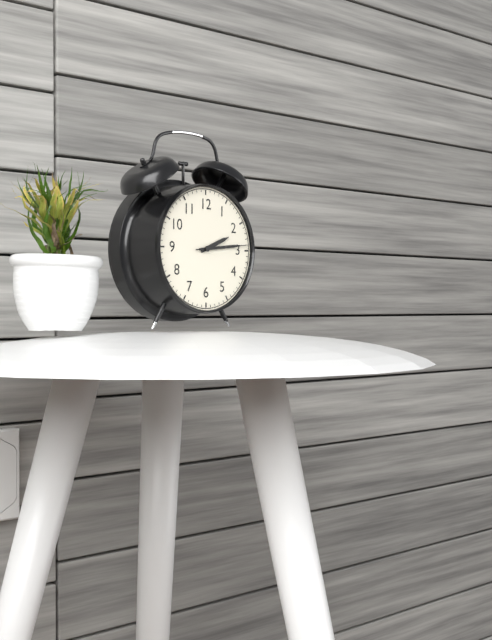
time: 2:14
